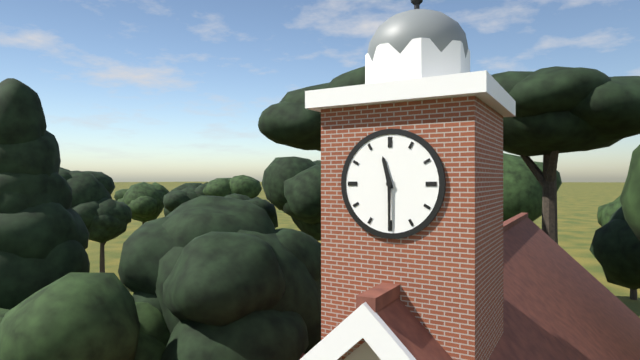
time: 11:30
